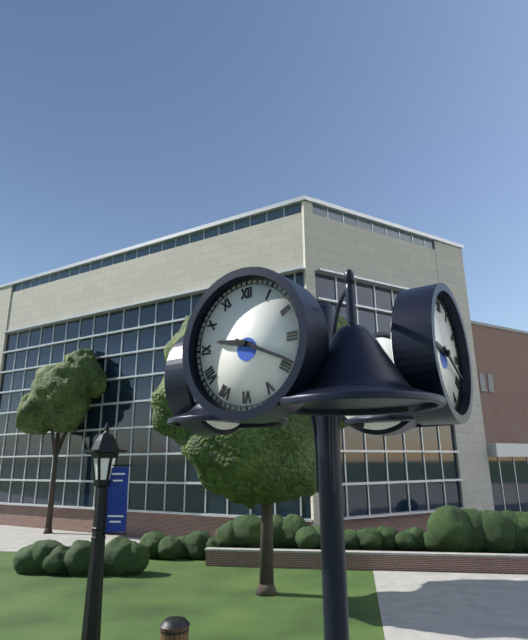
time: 9:19
